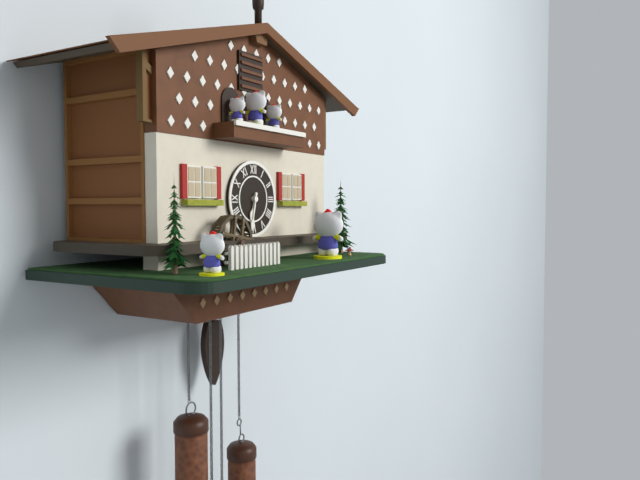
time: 6:32
